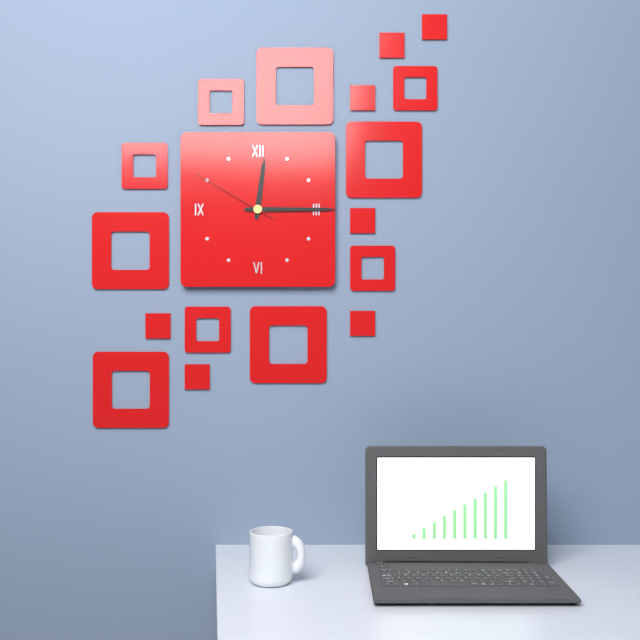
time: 12:15:50
